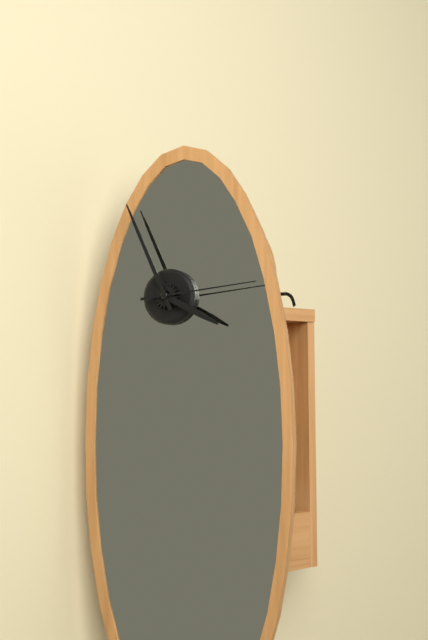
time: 3:56:14
